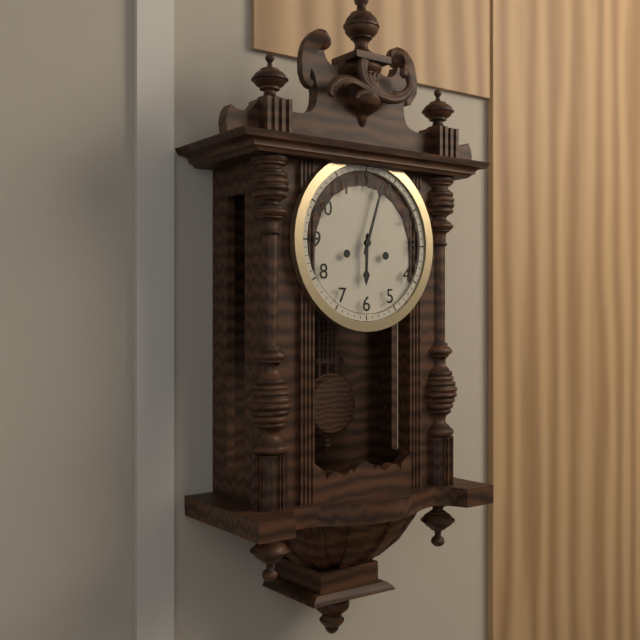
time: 6:03
